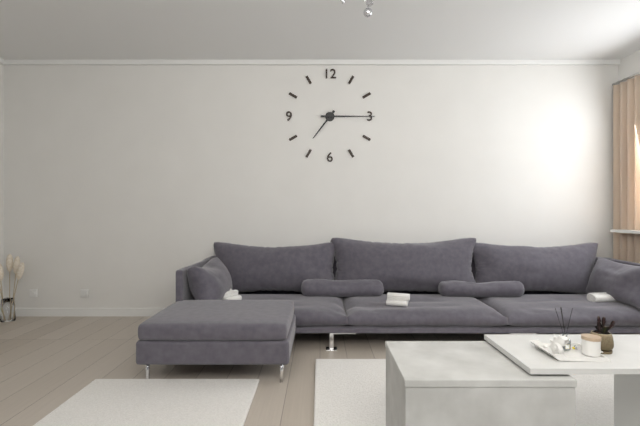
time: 7:15
